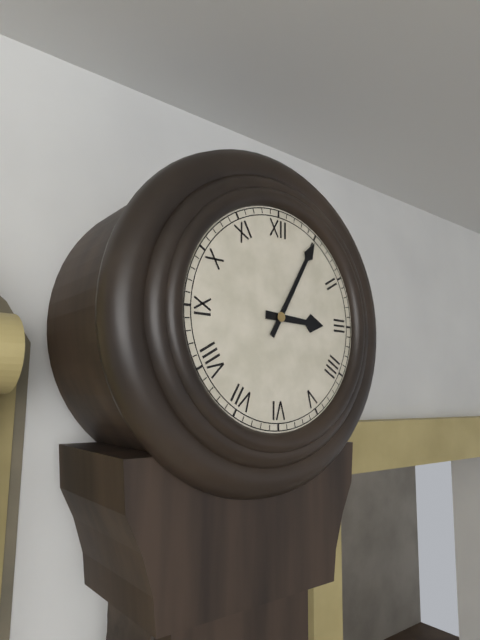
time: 3:05
